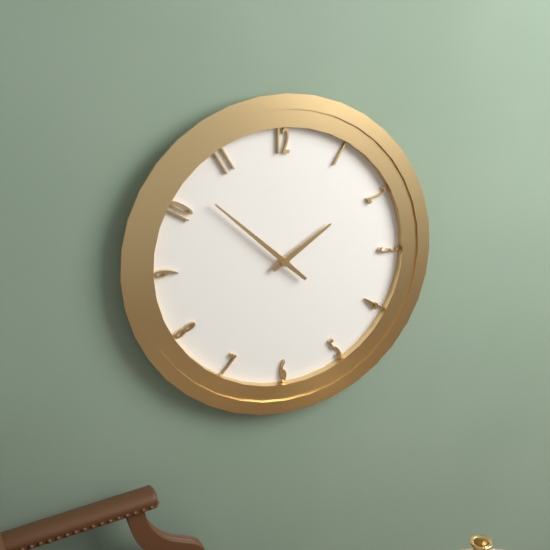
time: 1:52
